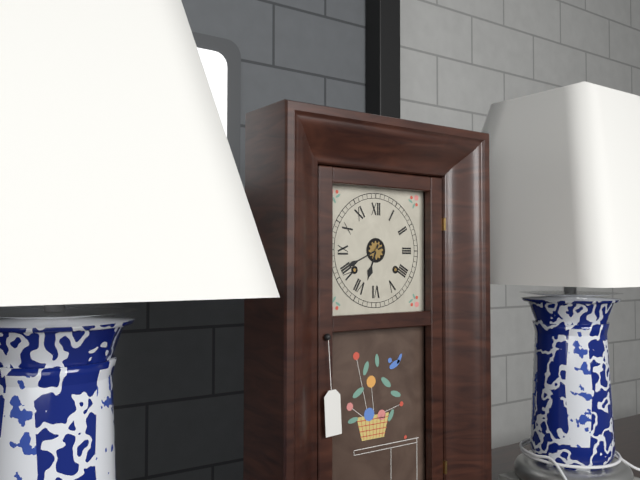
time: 6:41
